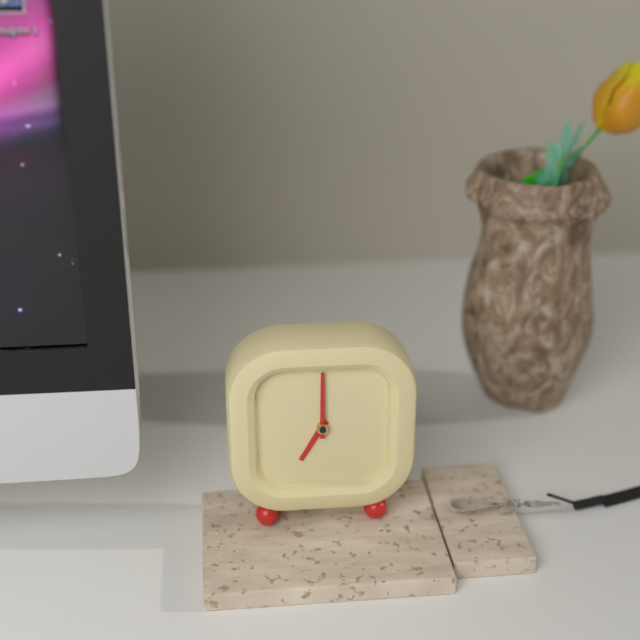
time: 7:00
